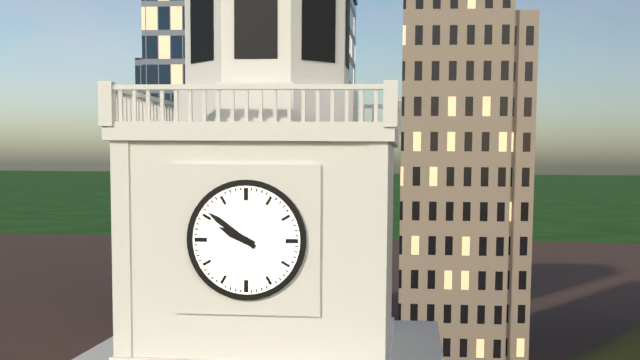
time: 9:51
